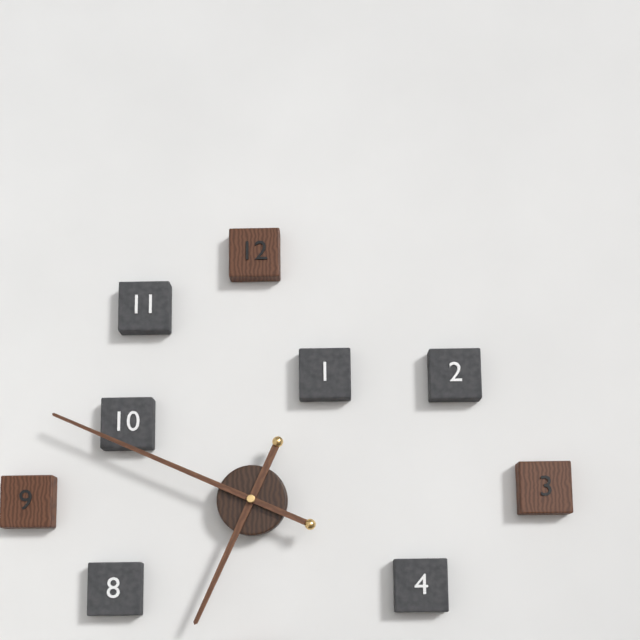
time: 6:49
